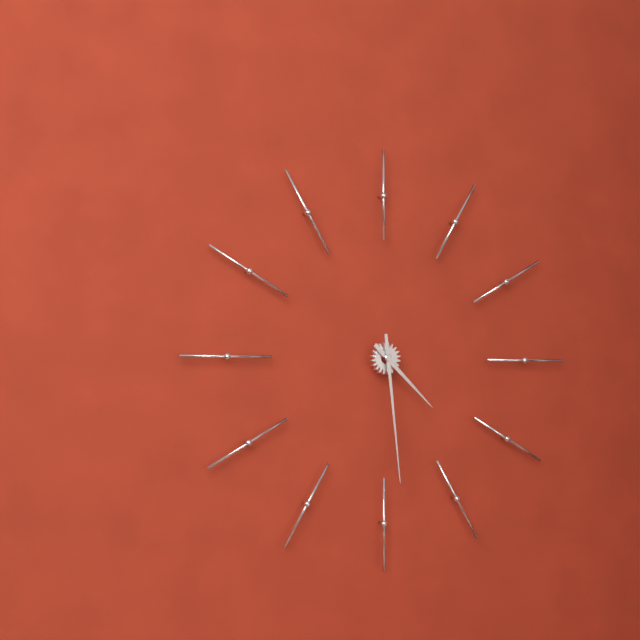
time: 4:29
